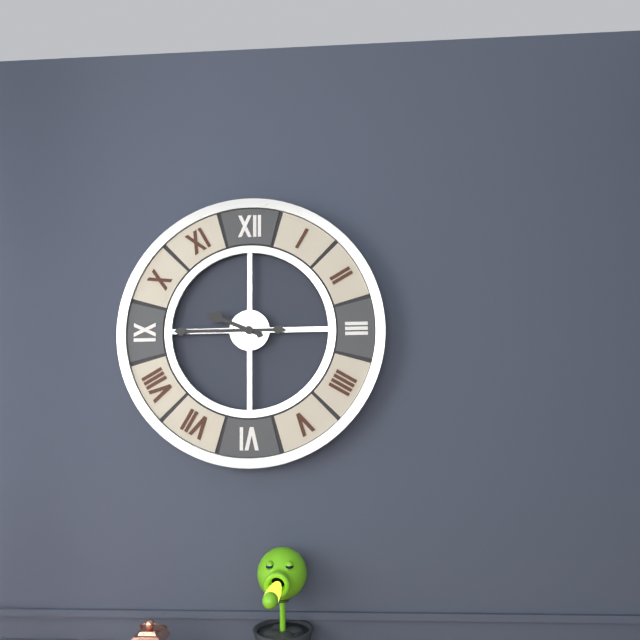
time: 9:45
